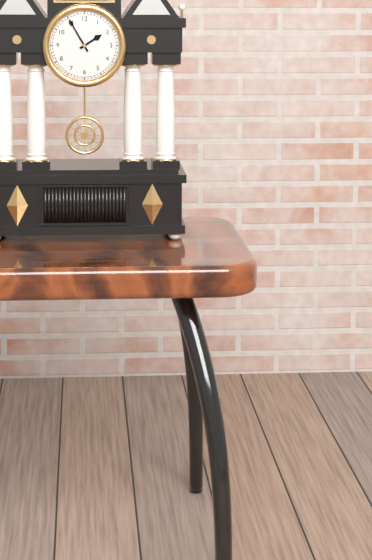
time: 1:55
